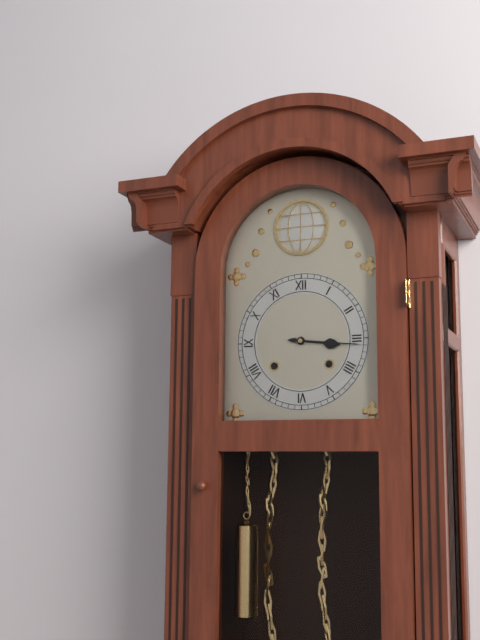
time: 3:16
